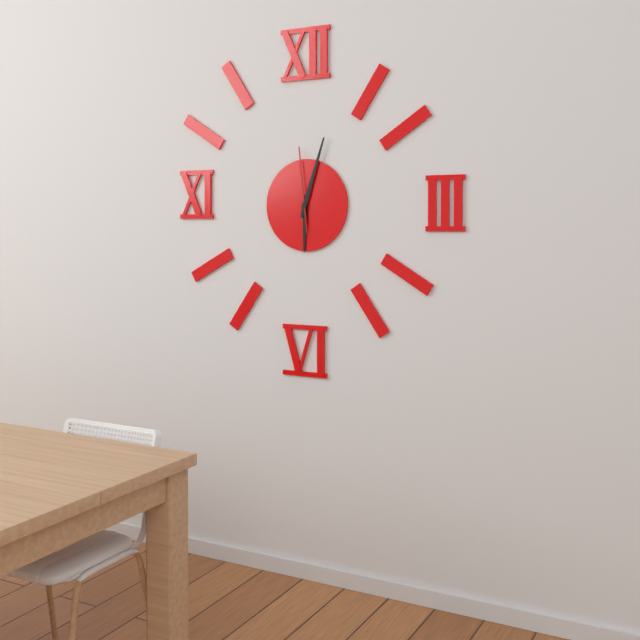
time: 6:03:59
